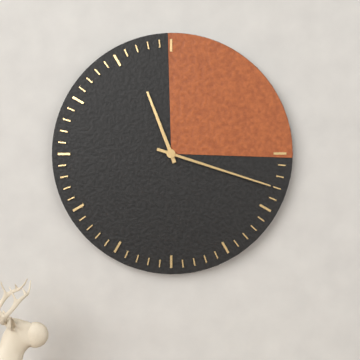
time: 11:18
